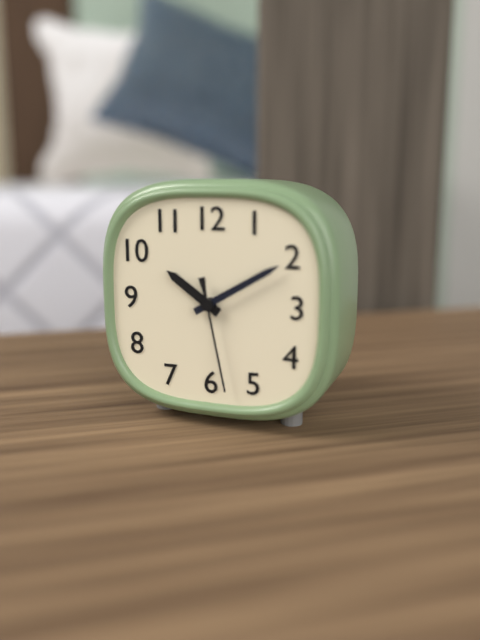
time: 10:10:28
